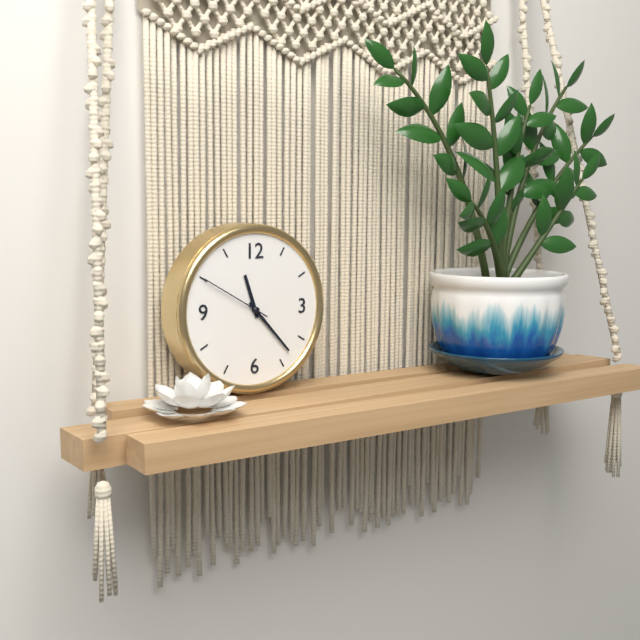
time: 11:23:50
